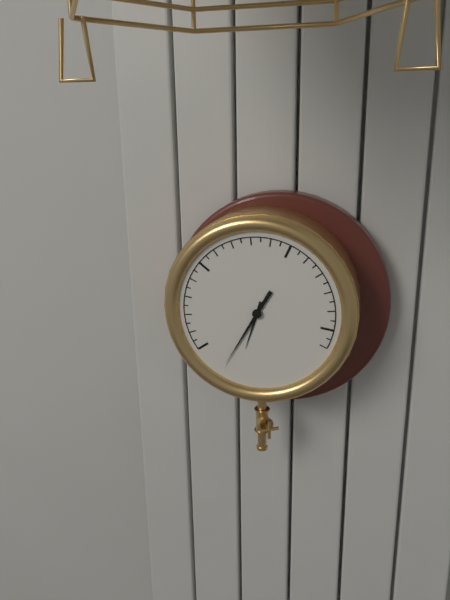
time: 6:35
